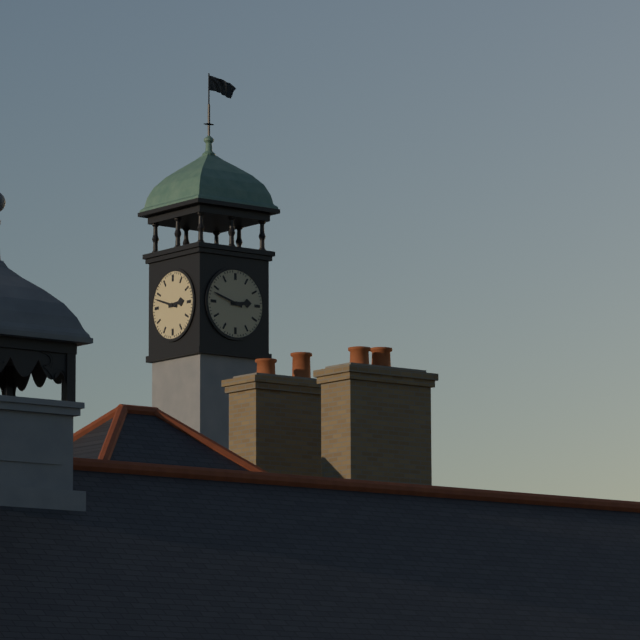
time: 2:48
